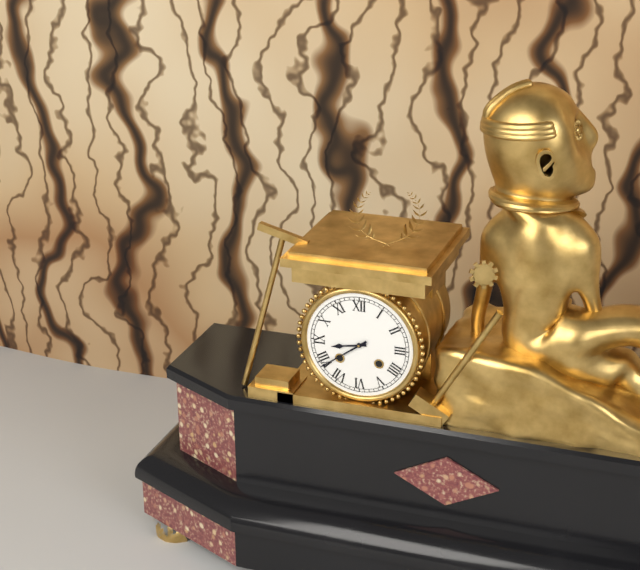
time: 8:39
